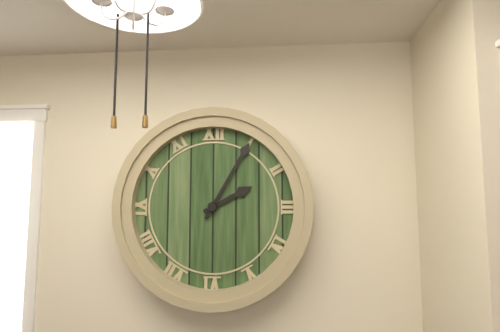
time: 2:05
